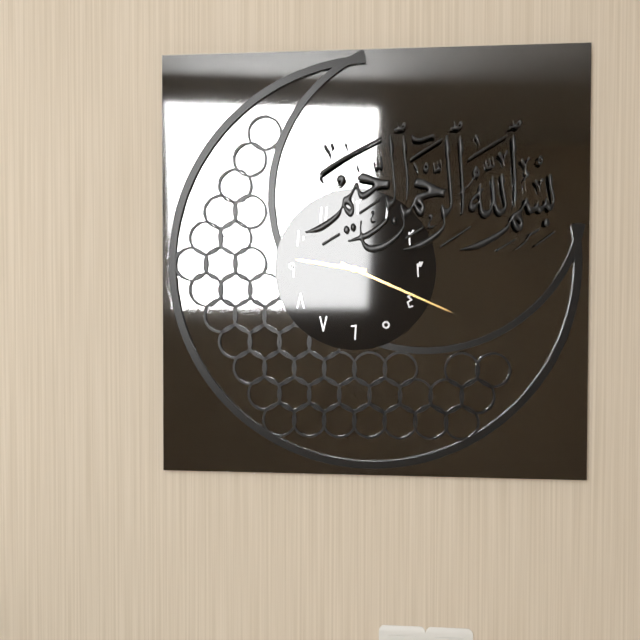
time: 9:19
